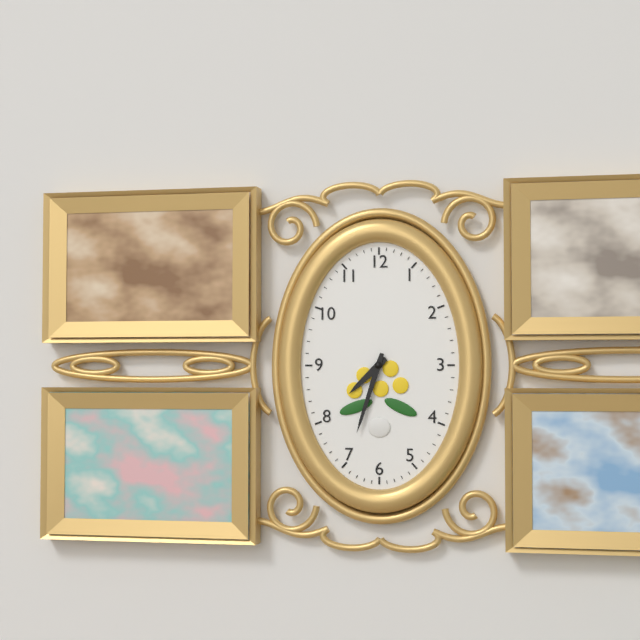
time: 7:33
